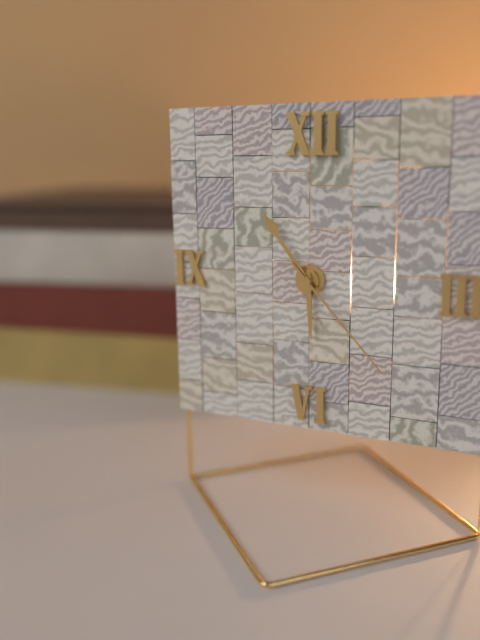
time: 5:54:23
